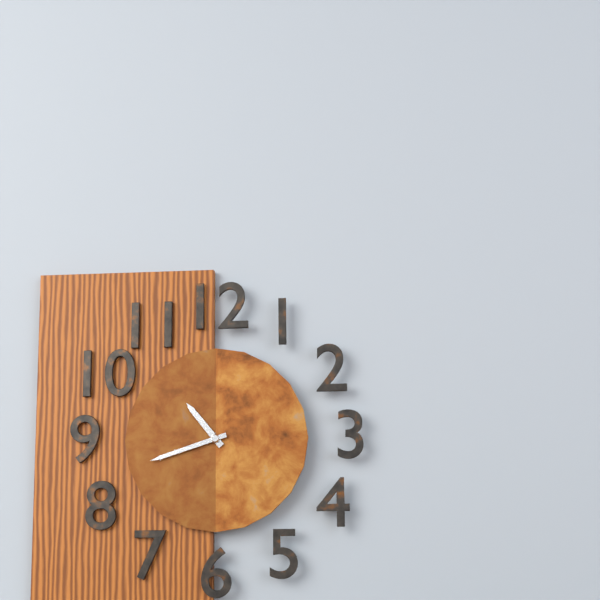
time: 10:42
